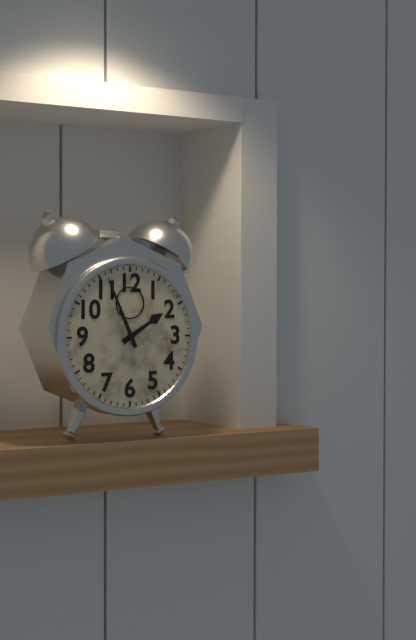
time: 1:56
